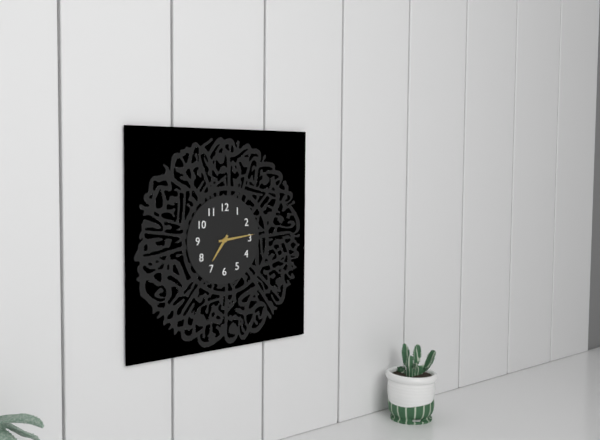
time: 7:14
